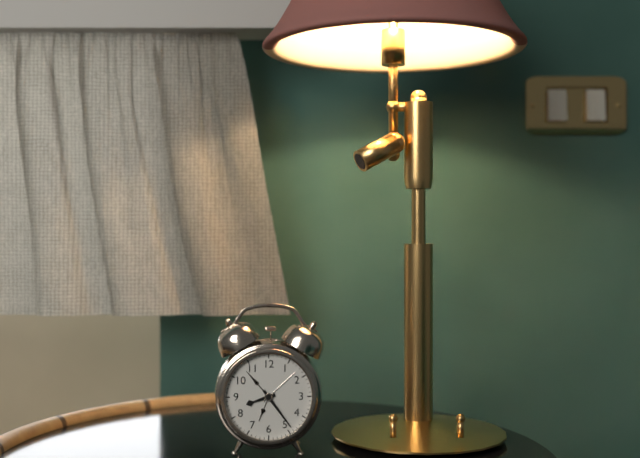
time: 8:24
